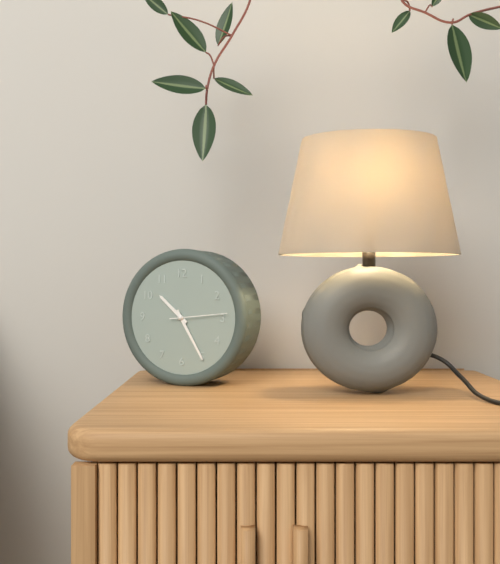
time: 10:25
